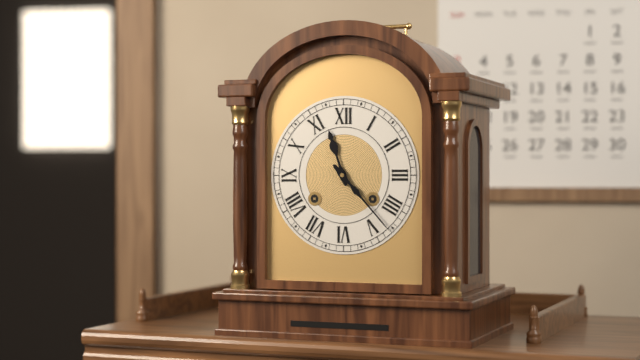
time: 11:23
